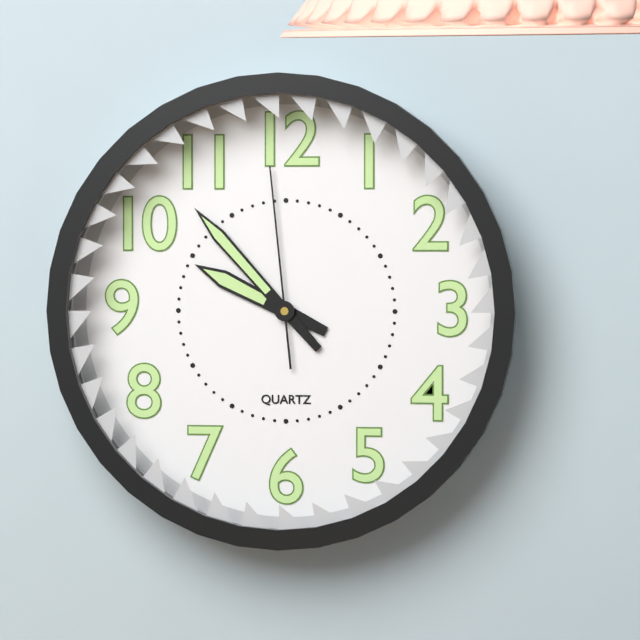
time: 9:53:59
